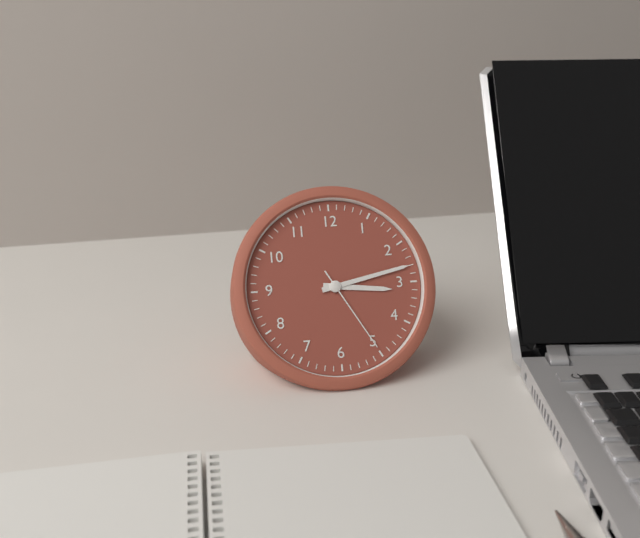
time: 3:13:25
